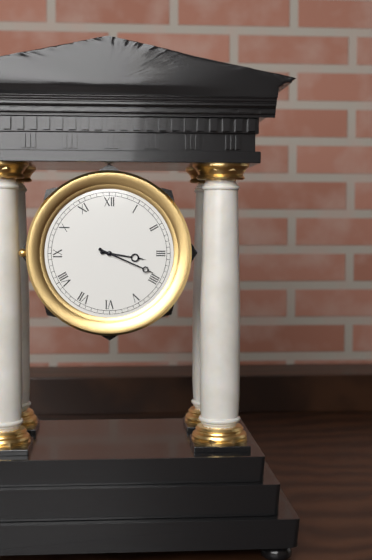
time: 3:19
